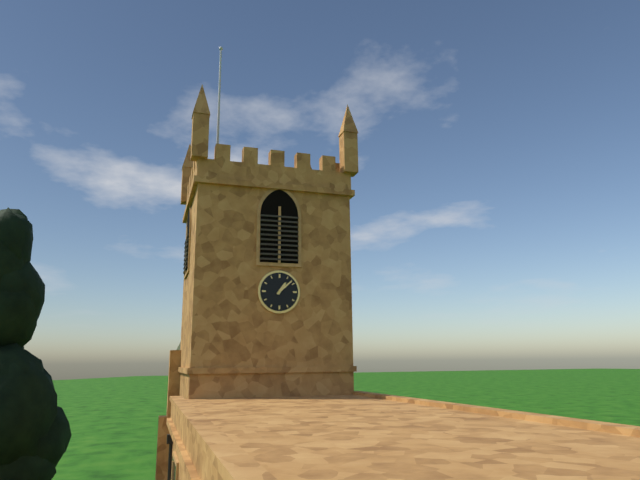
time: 1:08
